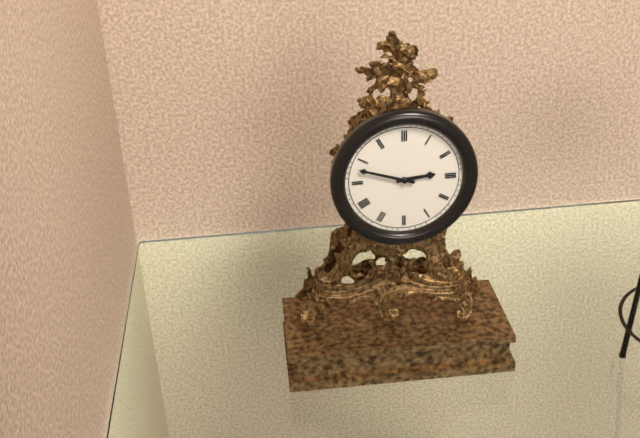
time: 2:48
